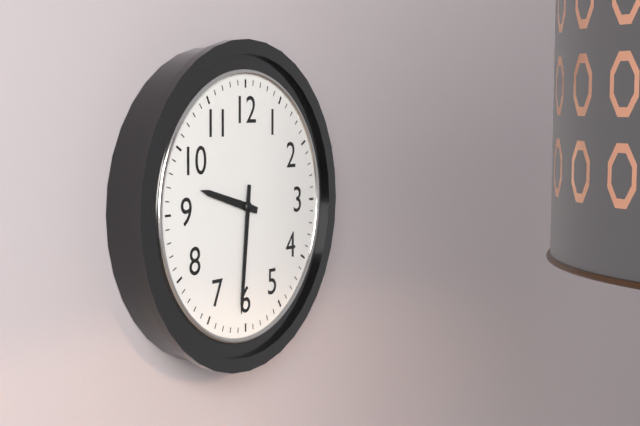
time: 9:31
